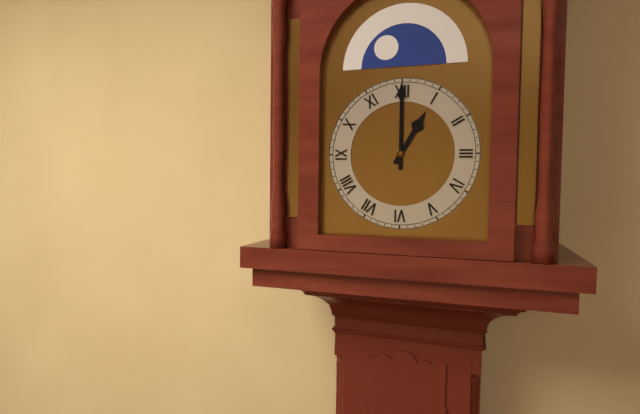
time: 1:00
